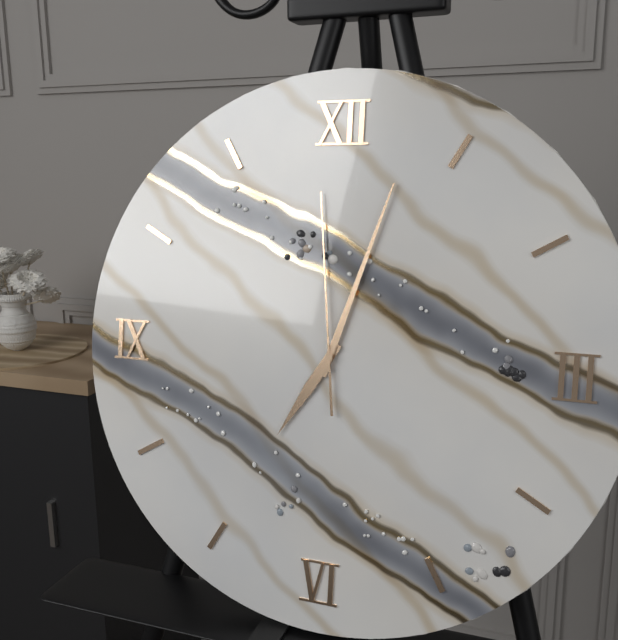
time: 7:03:59
